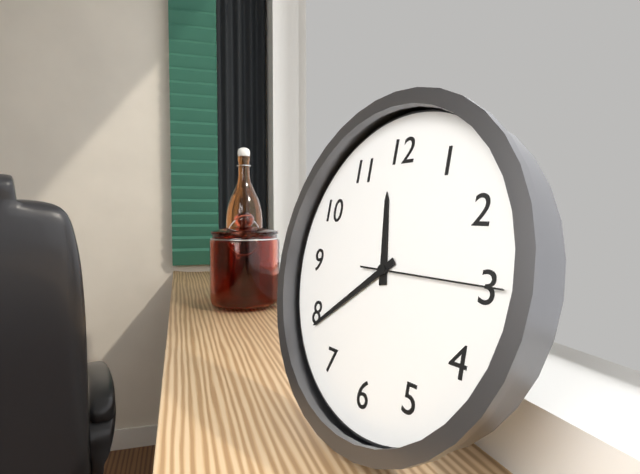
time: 11:39:15
